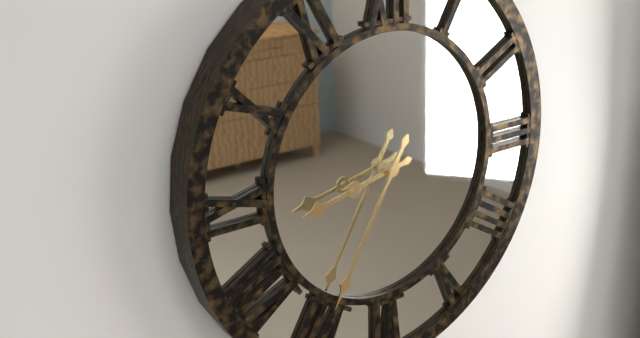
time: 8:35
